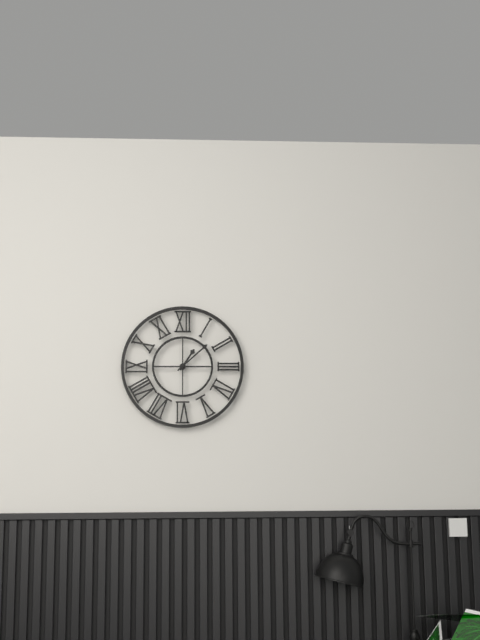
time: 1:08
